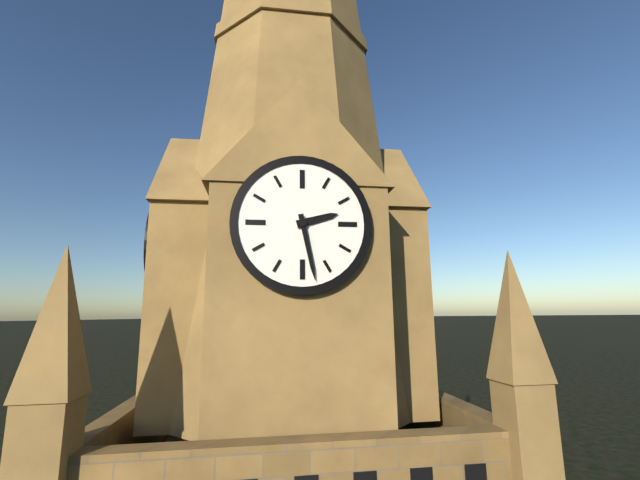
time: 2:28
